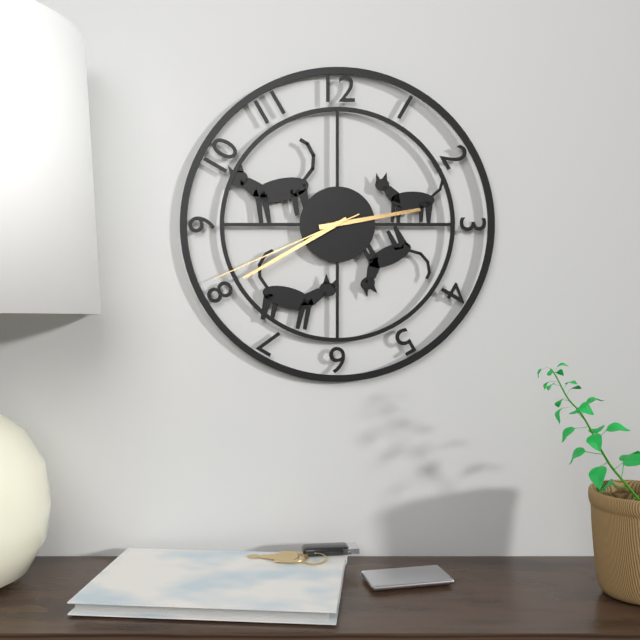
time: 2:40:41
